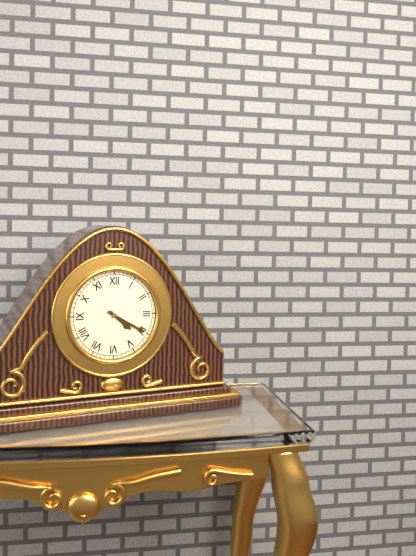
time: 4:20
